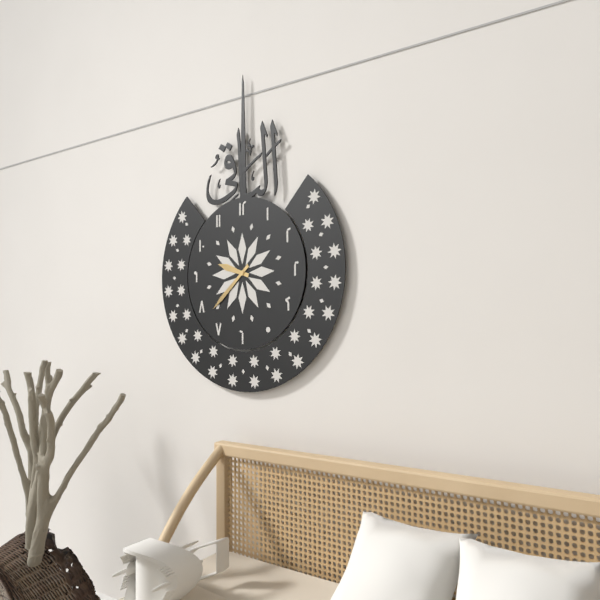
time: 9:38
